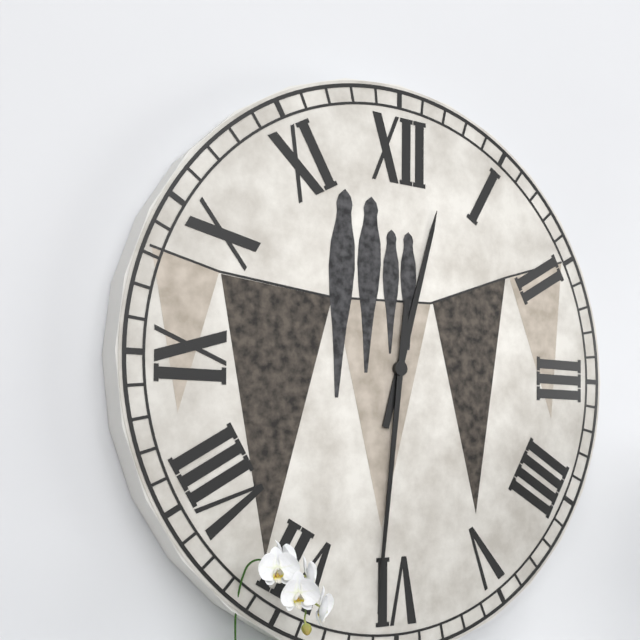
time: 12:31
